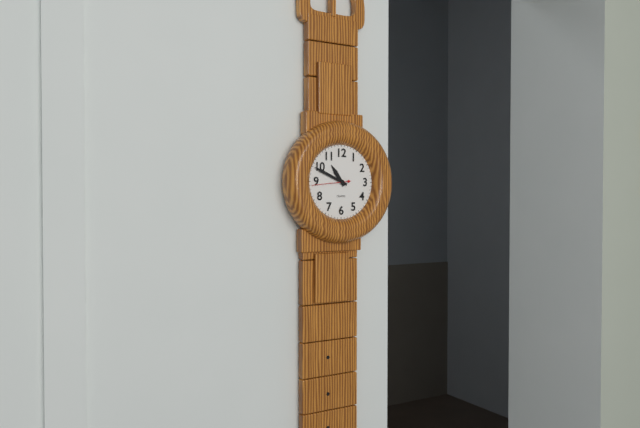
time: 10:49
